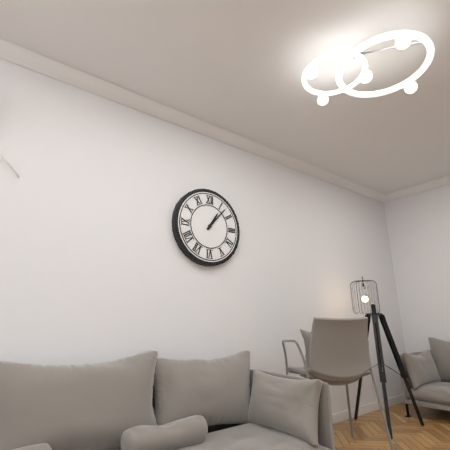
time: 1:07
